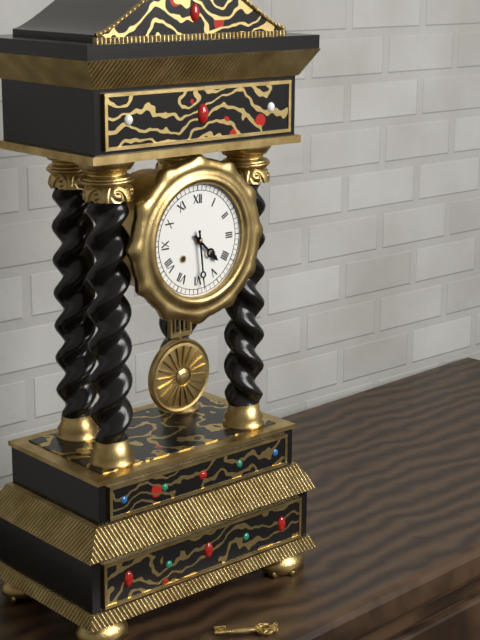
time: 4:29
